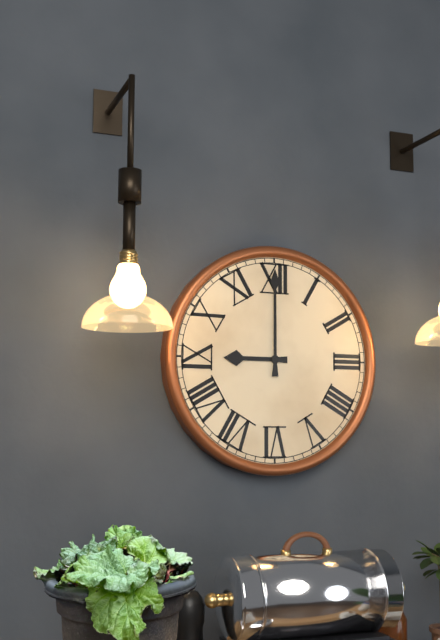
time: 9:00
